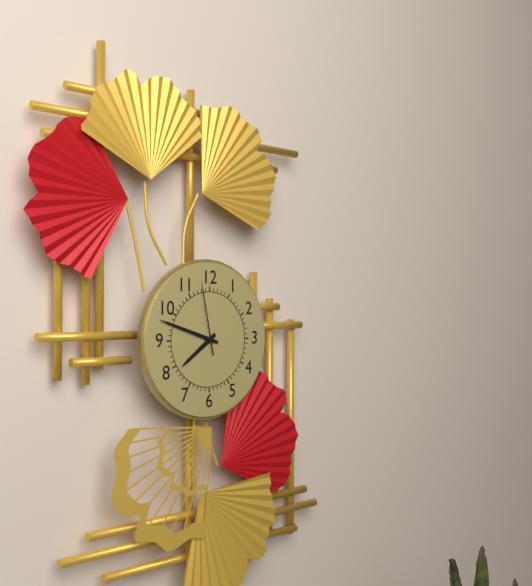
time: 7:48:58
